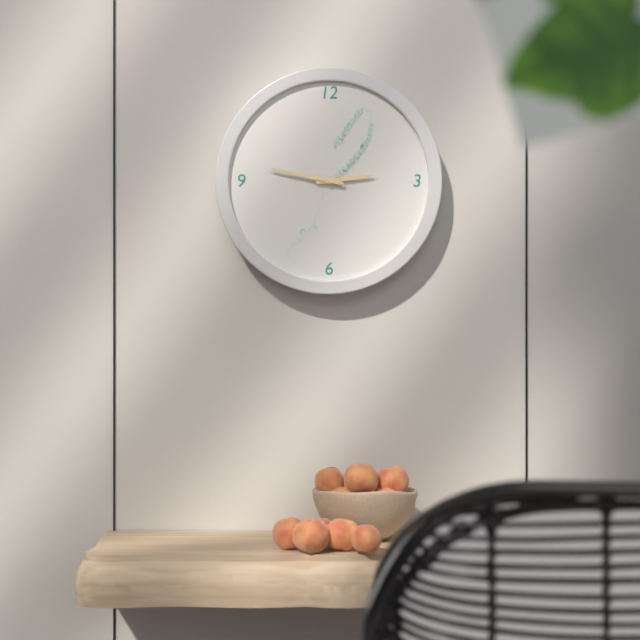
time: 2:47
